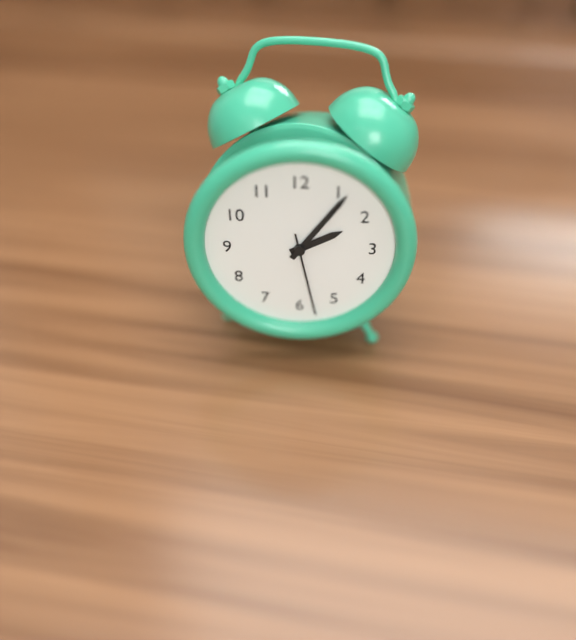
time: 2:06:28
